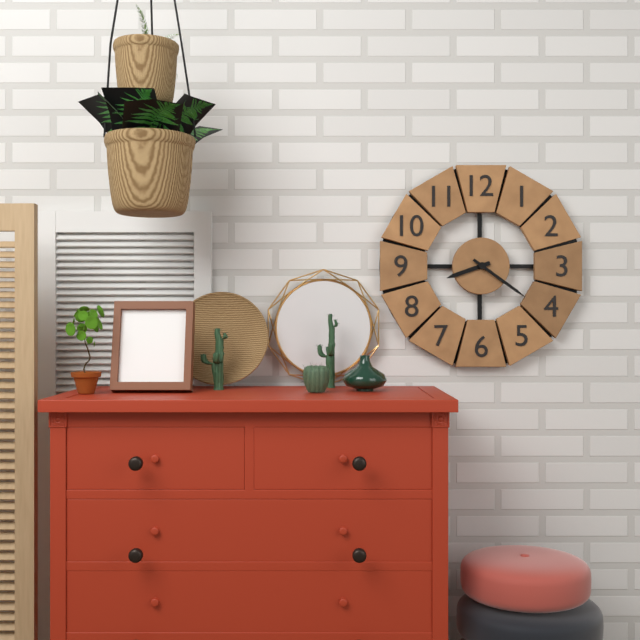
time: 8:21
